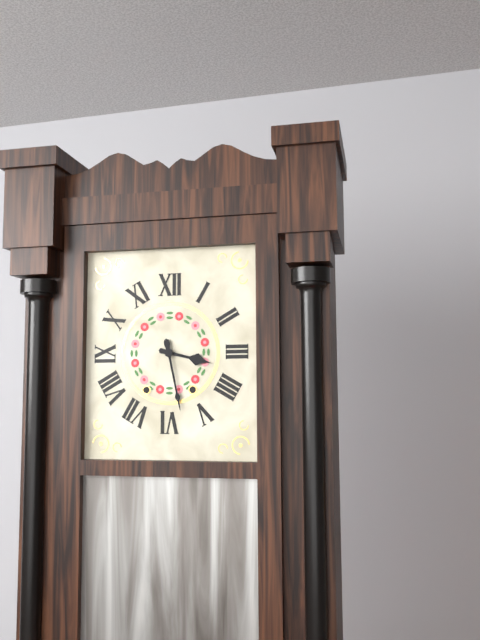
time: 3:28
